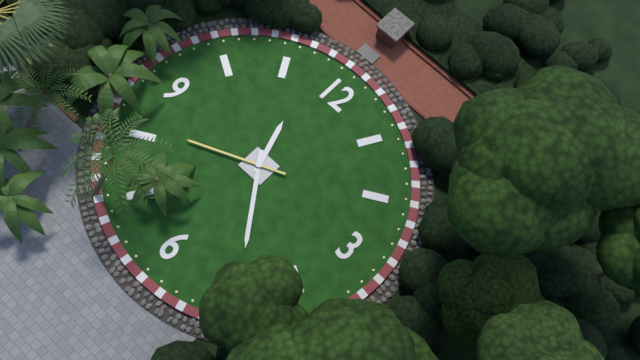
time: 11:24:41
